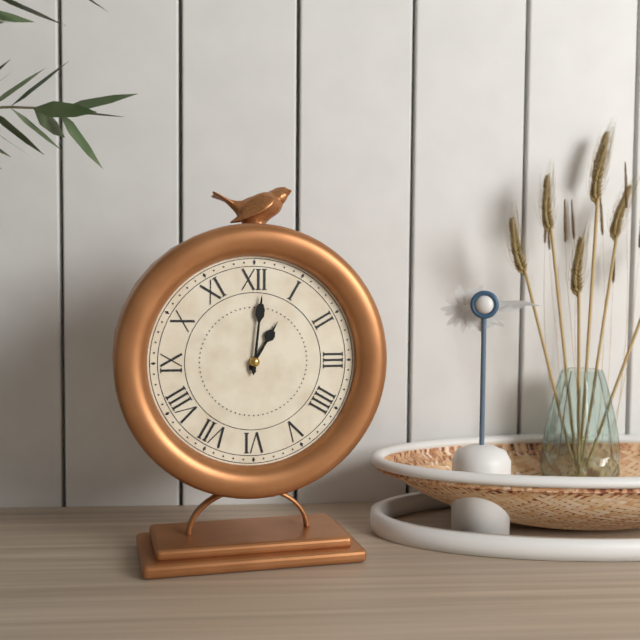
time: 1:01
